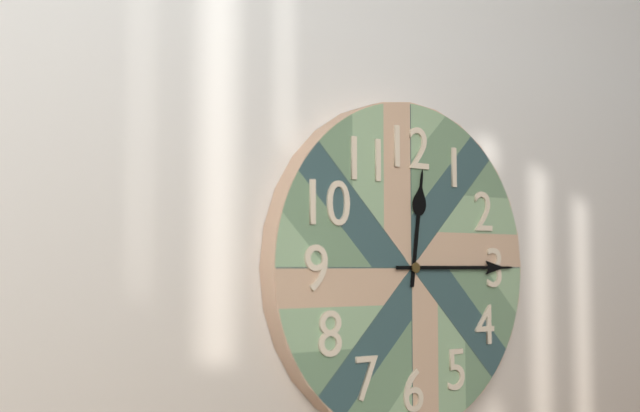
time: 12:15
